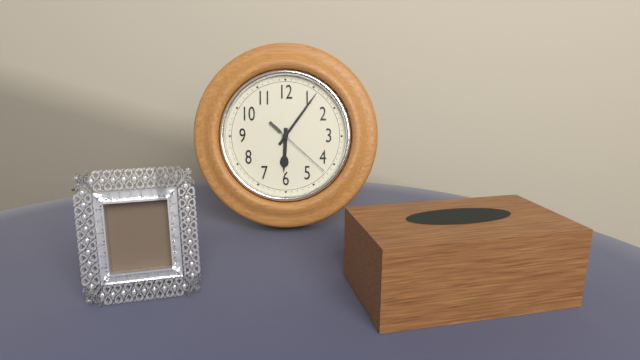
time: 6:06:22
